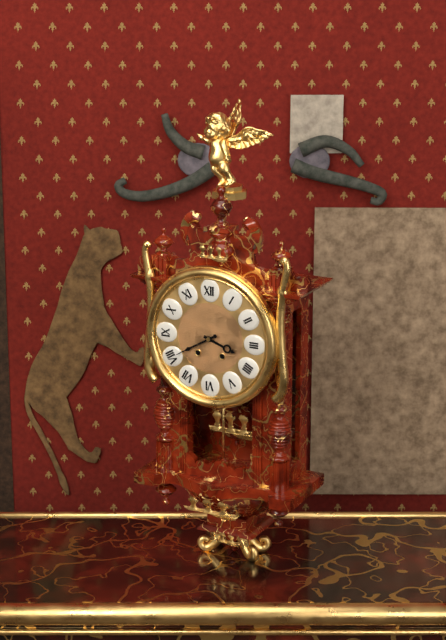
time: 3:40
